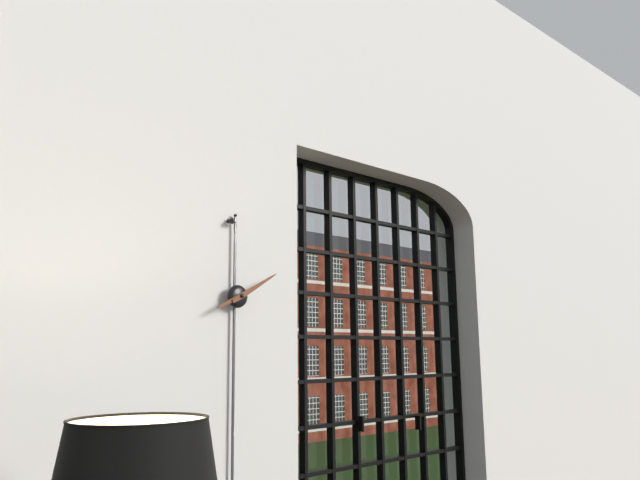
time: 8:10
